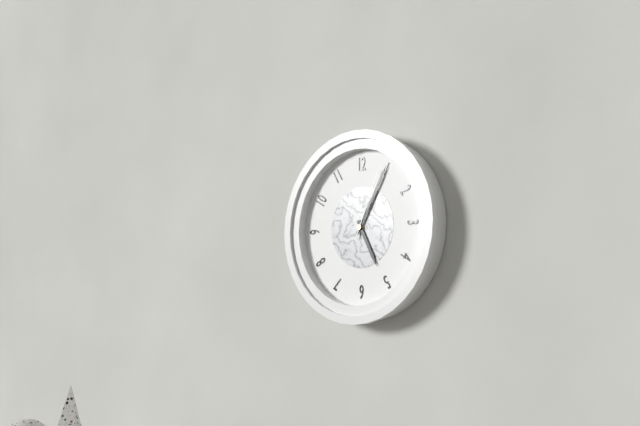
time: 5:05:04
